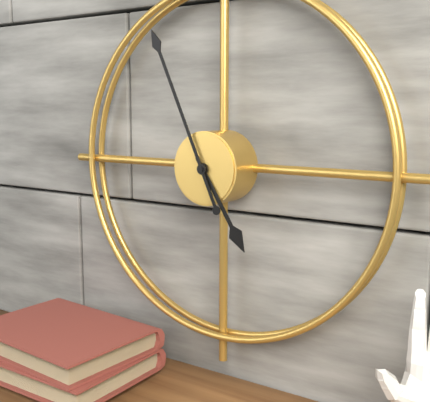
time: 4:56
